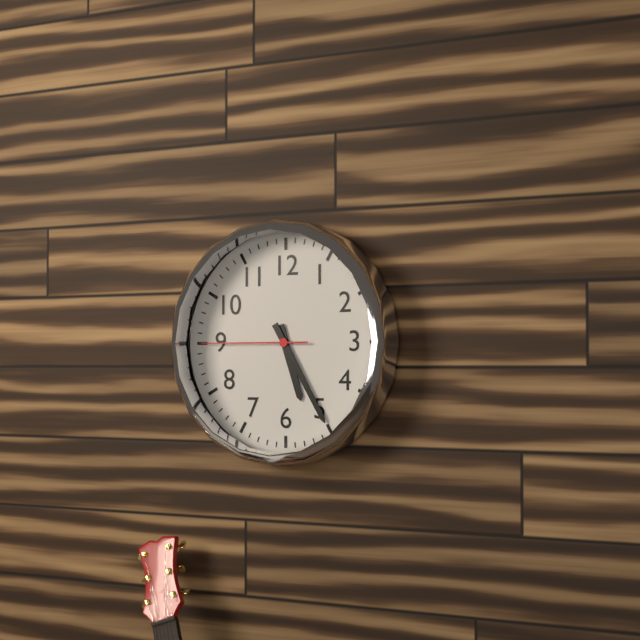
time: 5:25:45
